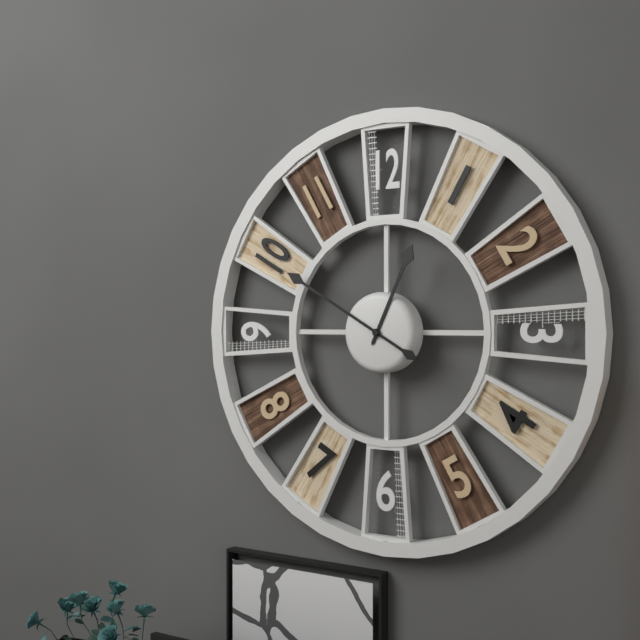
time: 12:50
